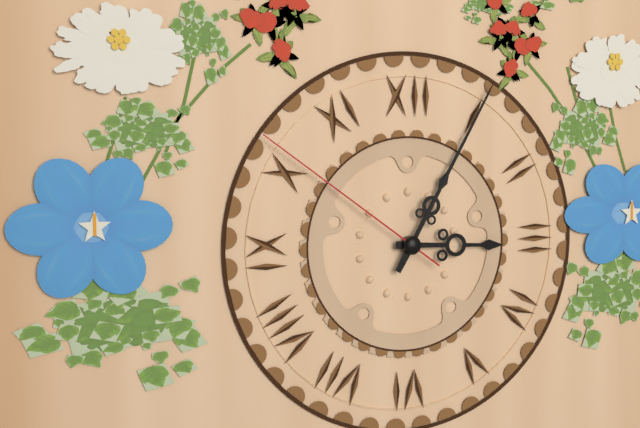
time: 3:05:51
